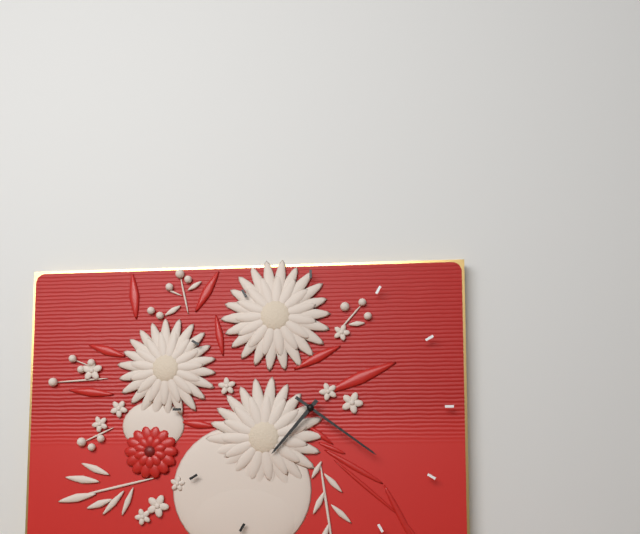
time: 7:21
